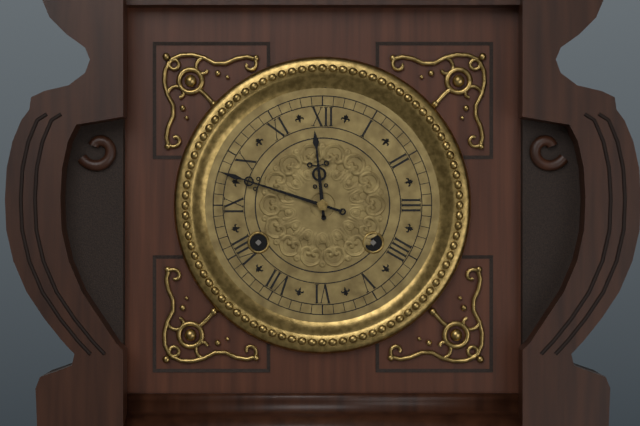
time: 11:48
